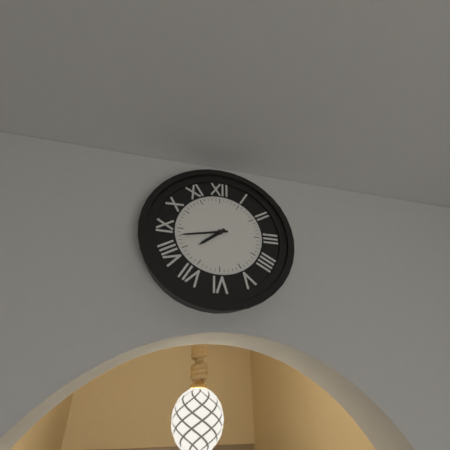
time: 7:43
